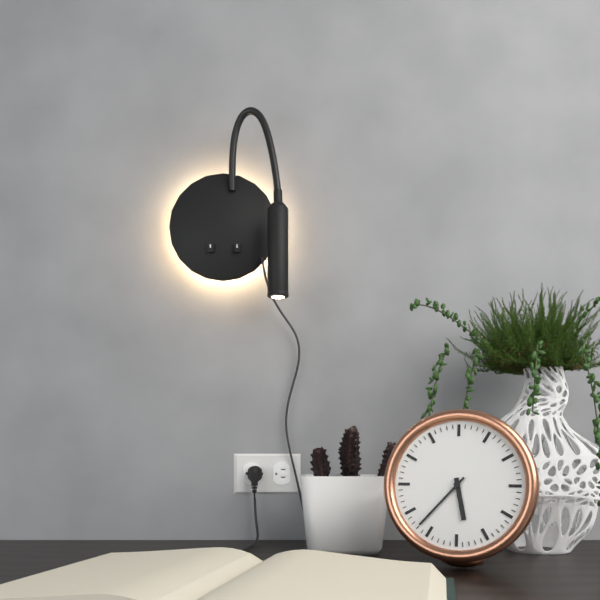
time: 5:37
